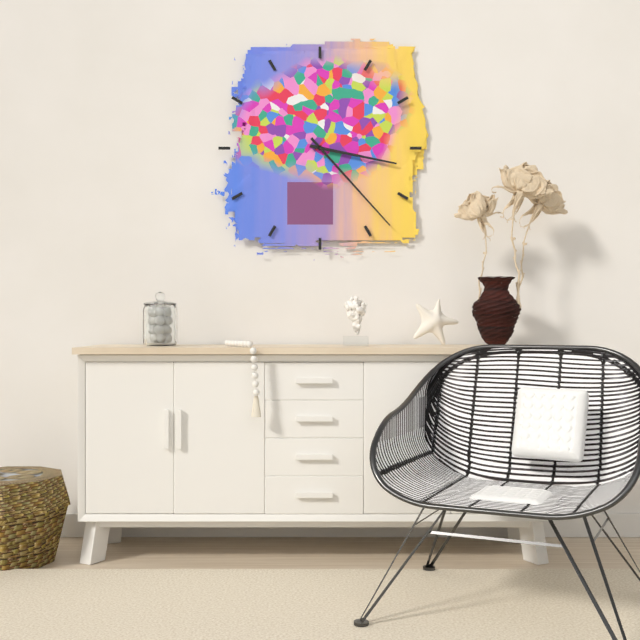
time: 3:23
